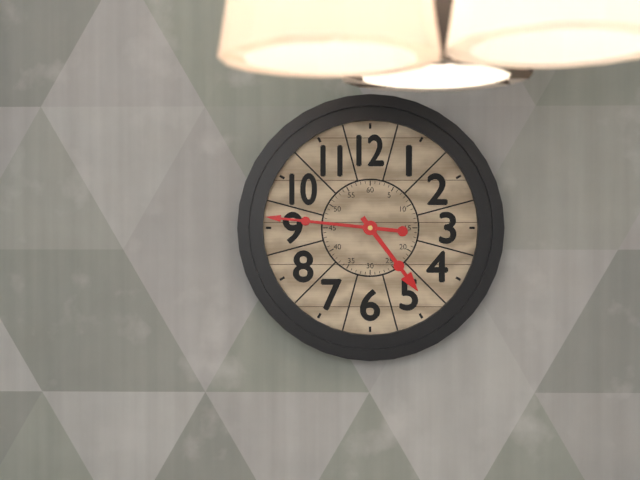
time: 4:46
